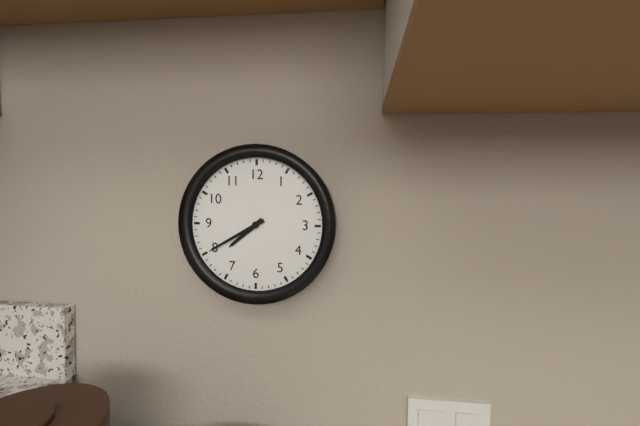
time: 7:40
